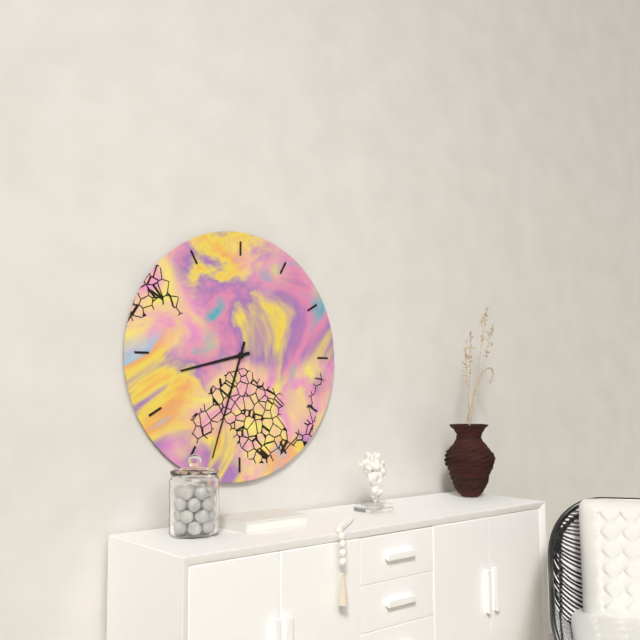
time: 8:33
